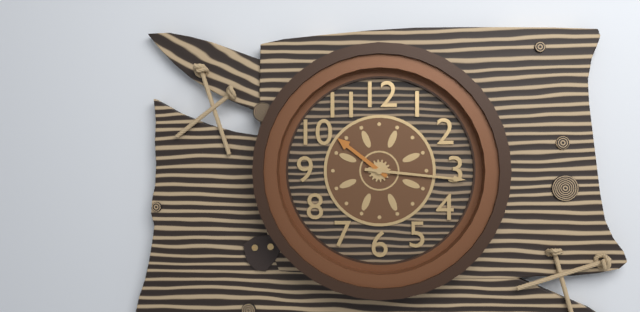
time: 10:16
